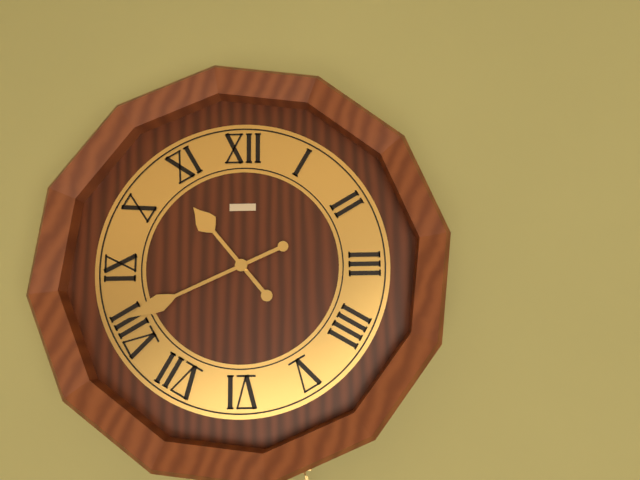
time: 10:41
